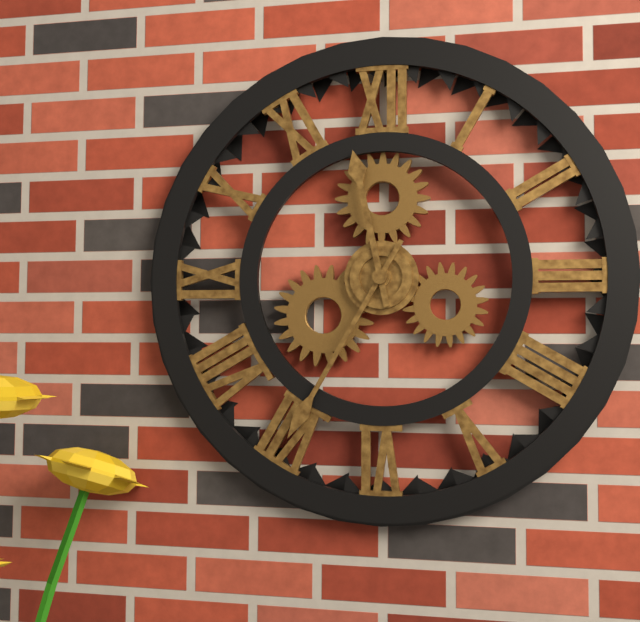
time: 11:35
